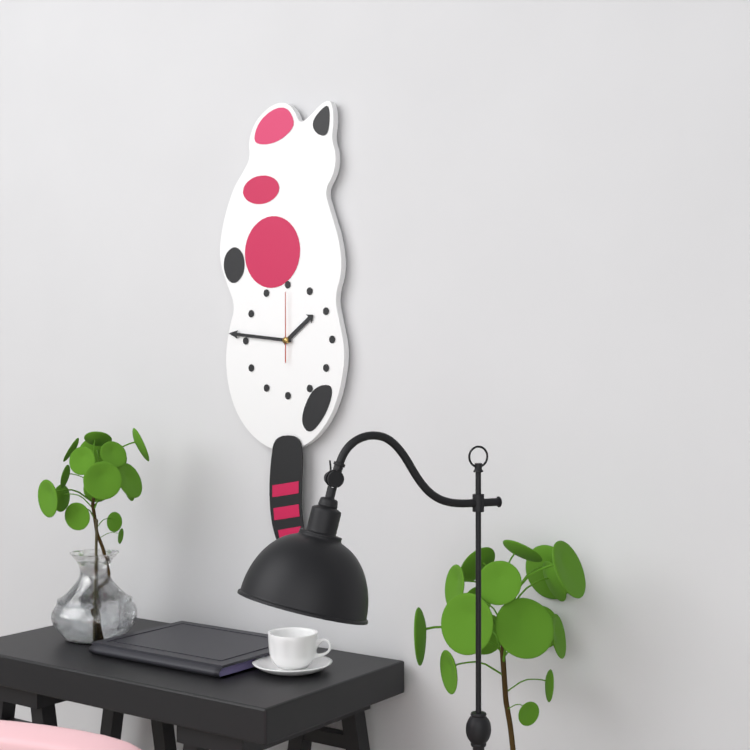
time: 1:46:00
